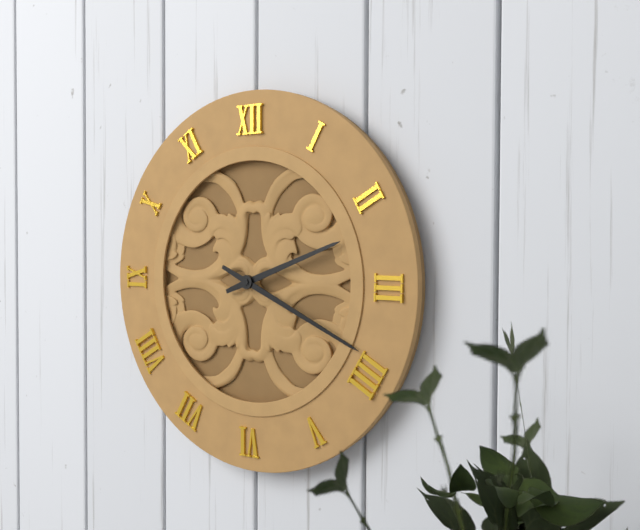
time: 2:19
